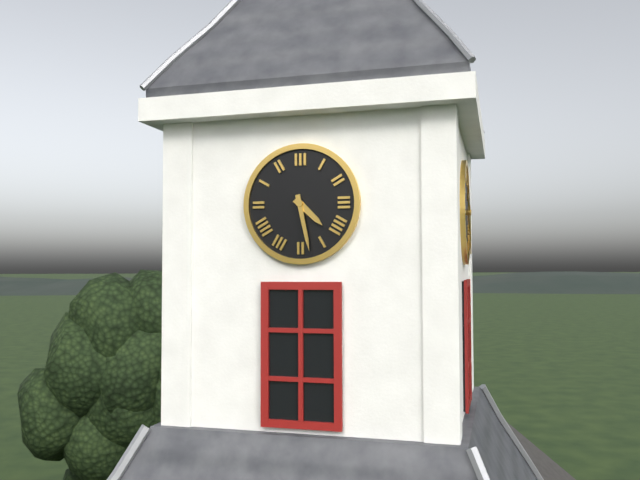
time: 4:28
